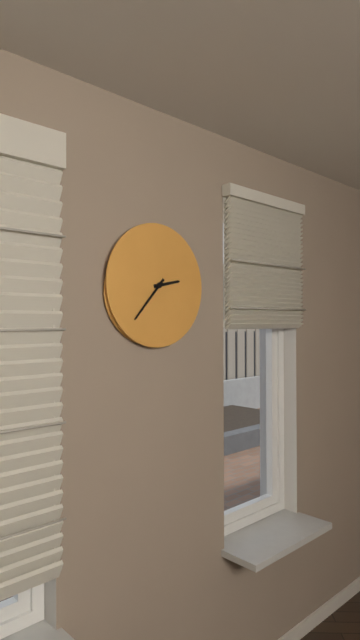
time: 2:37
